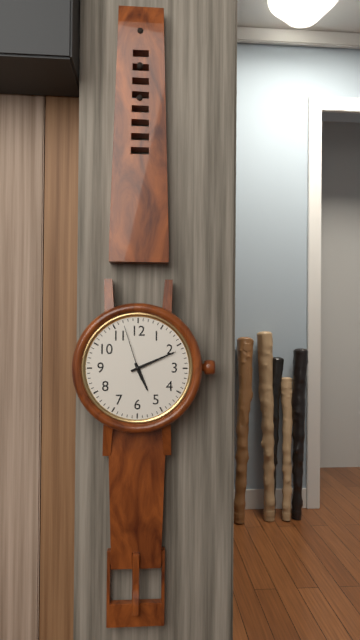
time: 5:11:57
